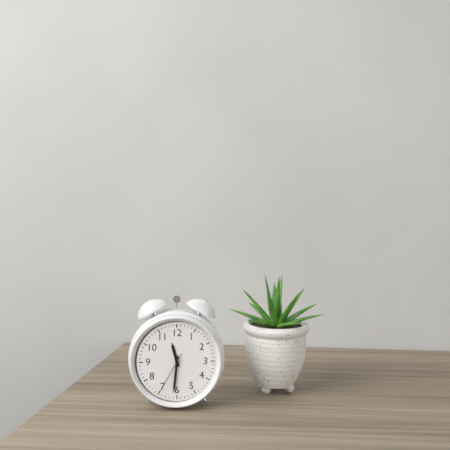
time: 11:31
